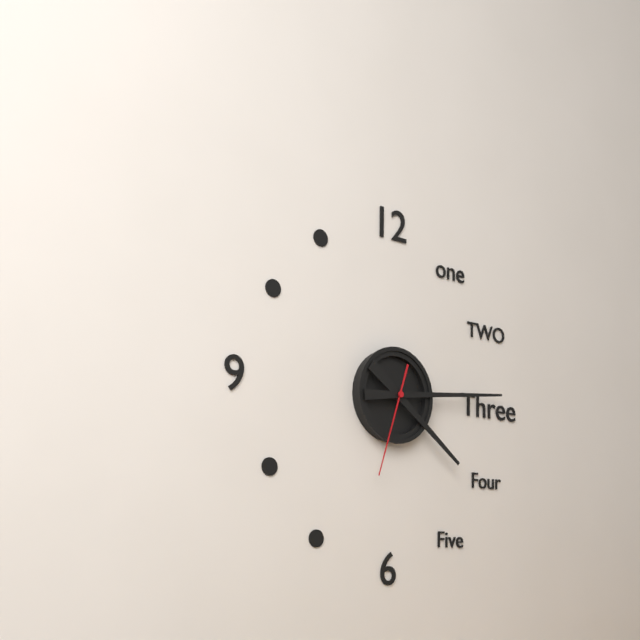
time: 4:14:33
